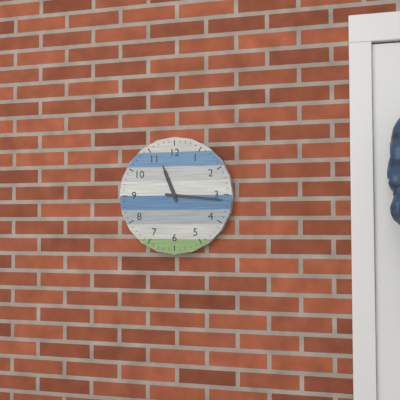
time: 11:16
